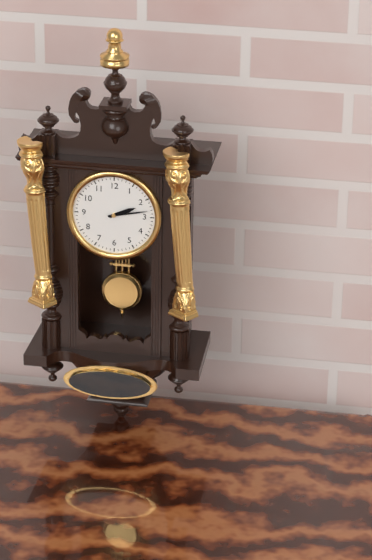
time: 2:13
